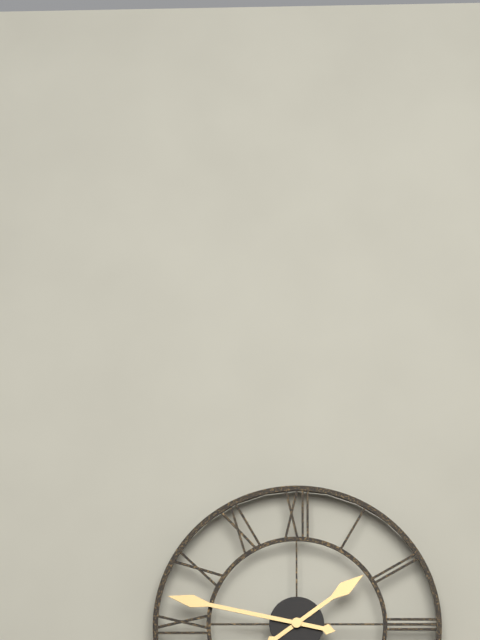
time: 1:47
